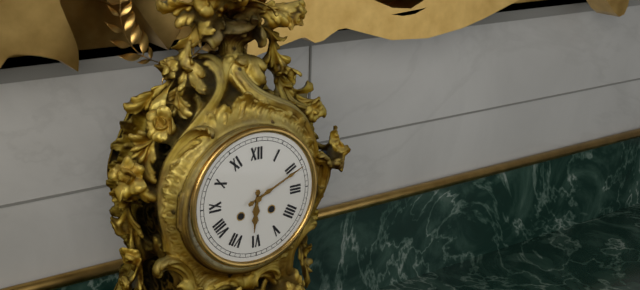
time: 6:11
